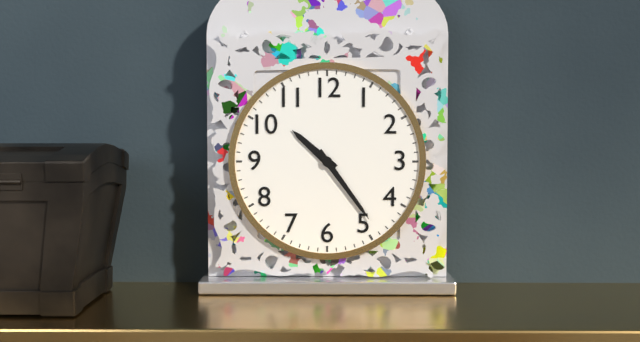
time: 10:24
